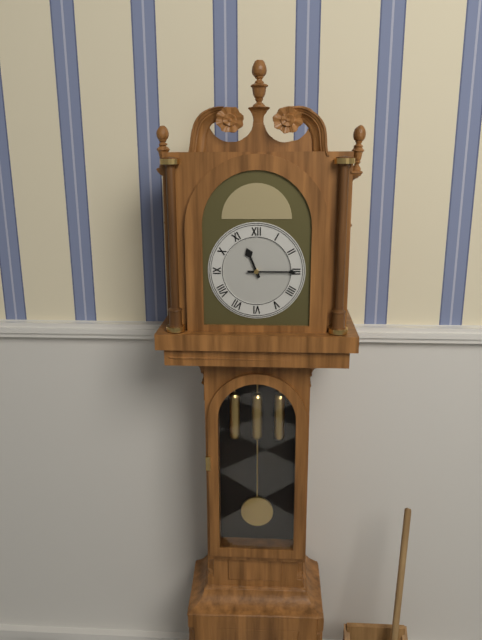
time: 11:15
